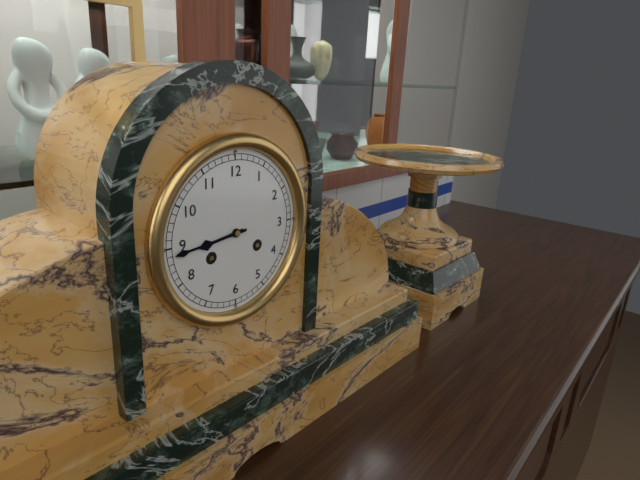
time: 8:44
